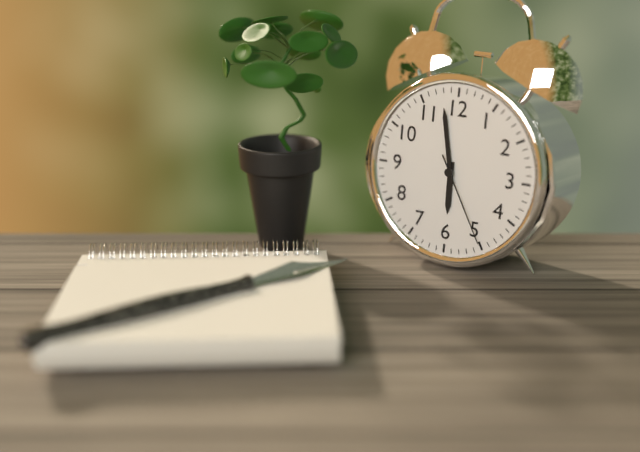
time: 5:58:25
